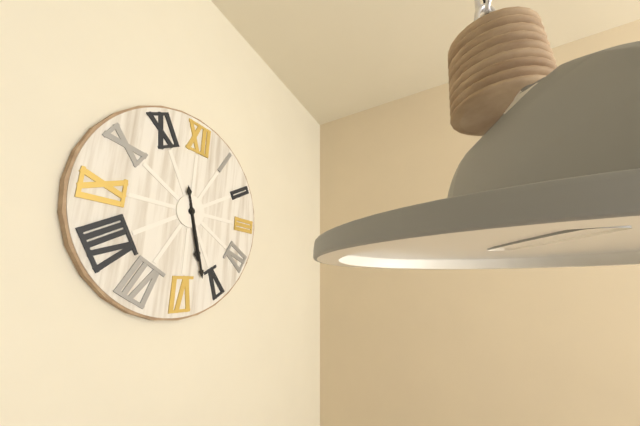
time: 5:27
